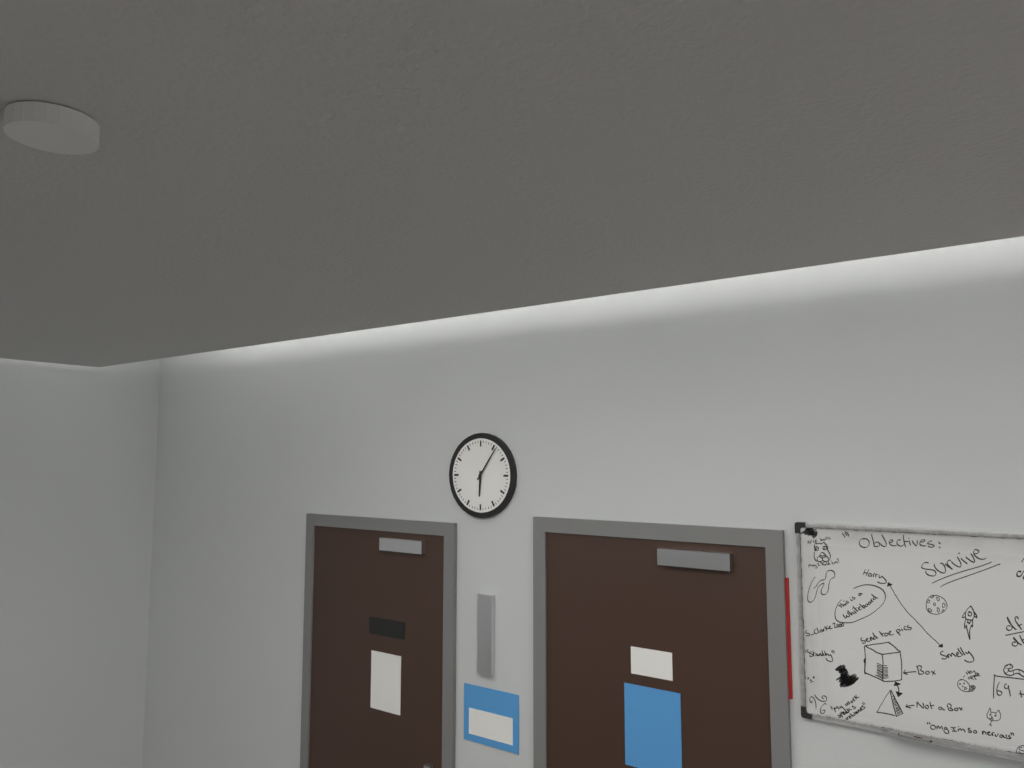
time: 6:06
